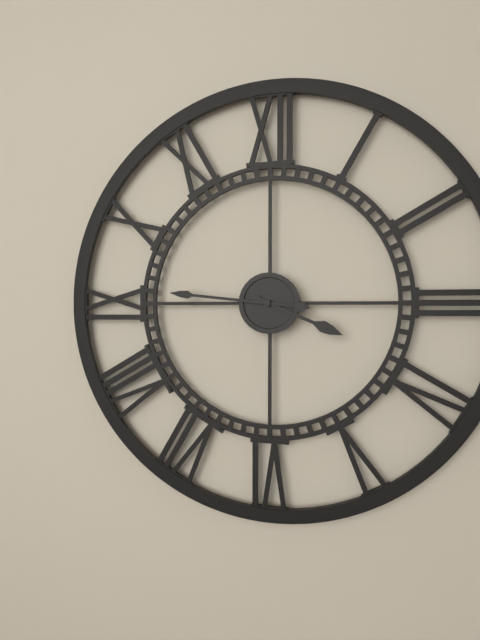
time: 3:46
